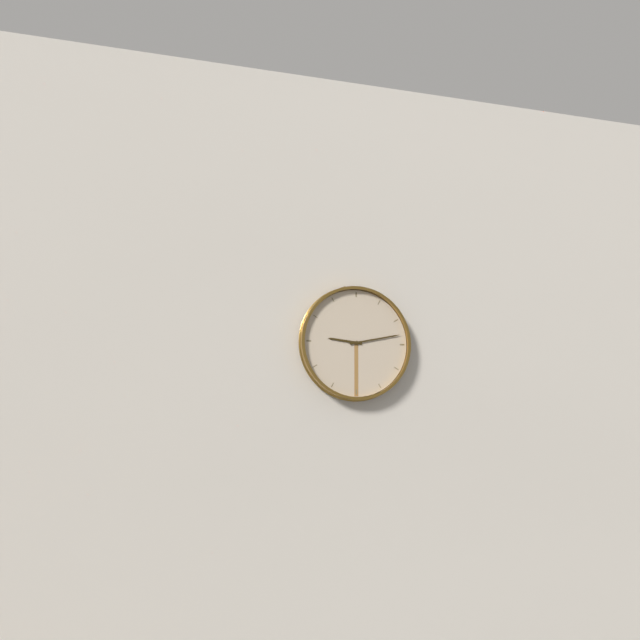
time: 9:13
